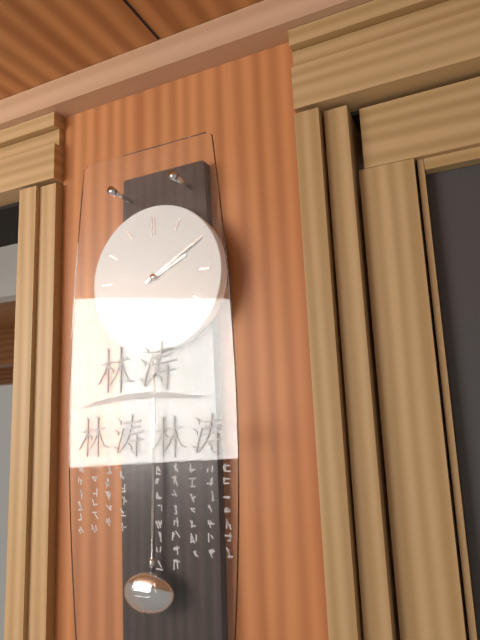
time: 2:10
